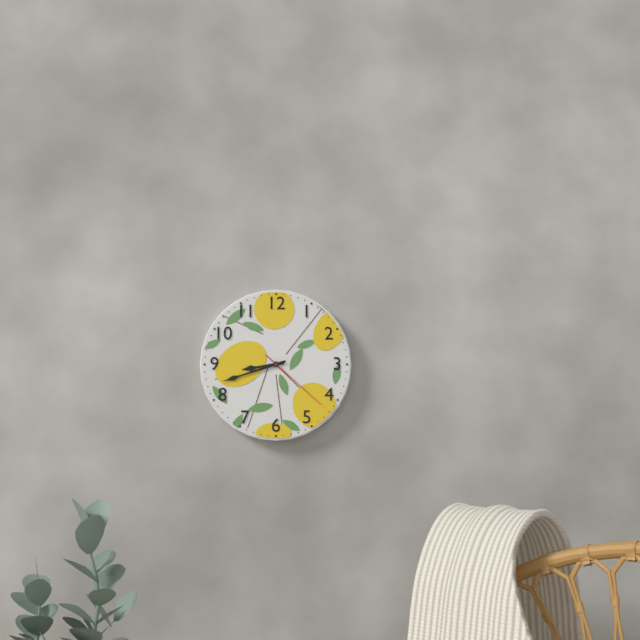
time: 8:42:22
